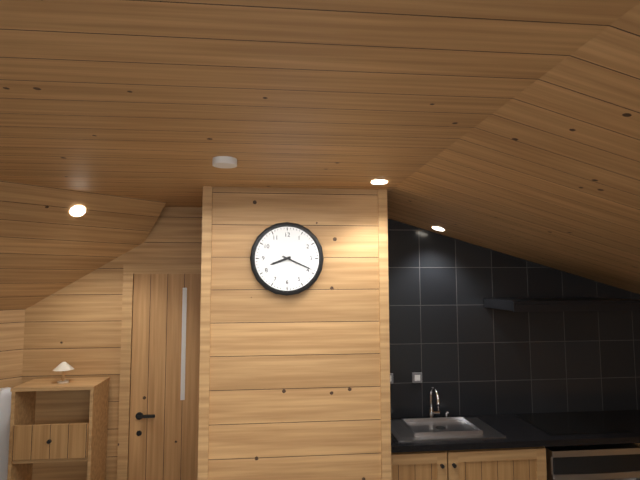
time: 8:19
